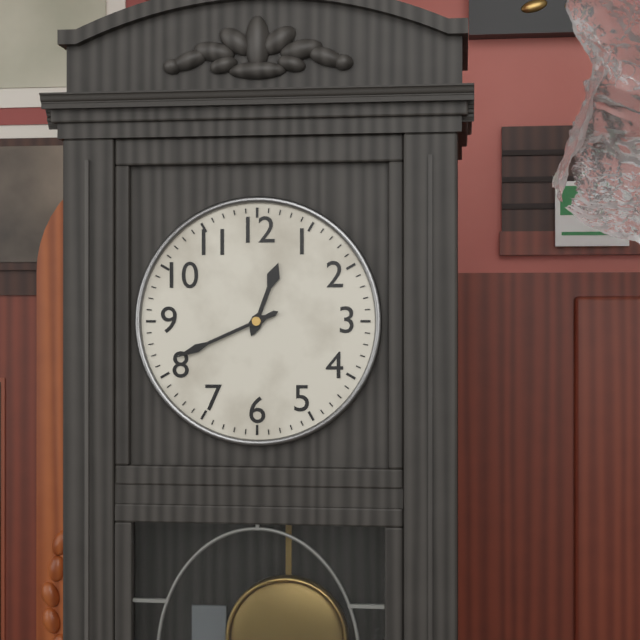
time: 12:41
